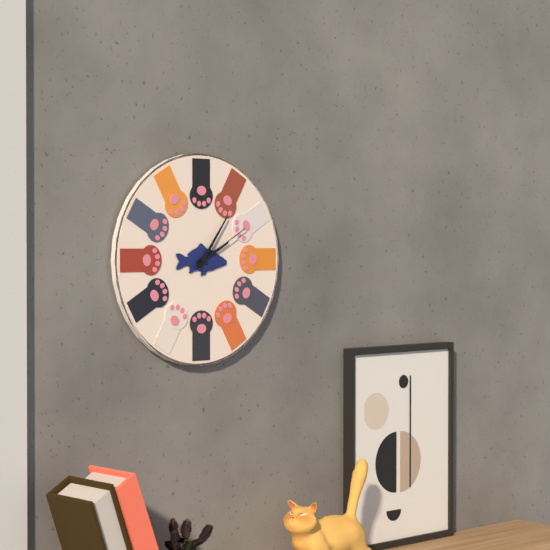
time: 2:06:10
